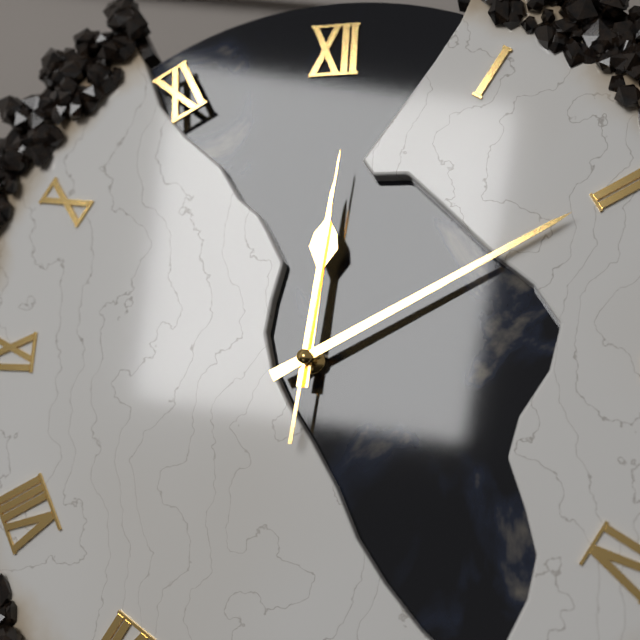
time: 12:10:01
